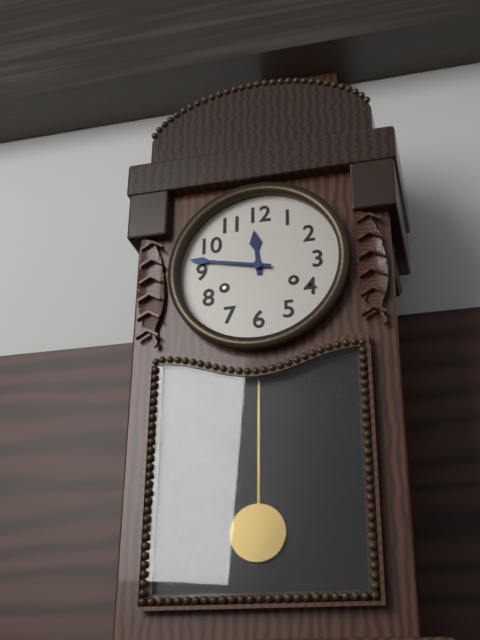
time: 11:47
